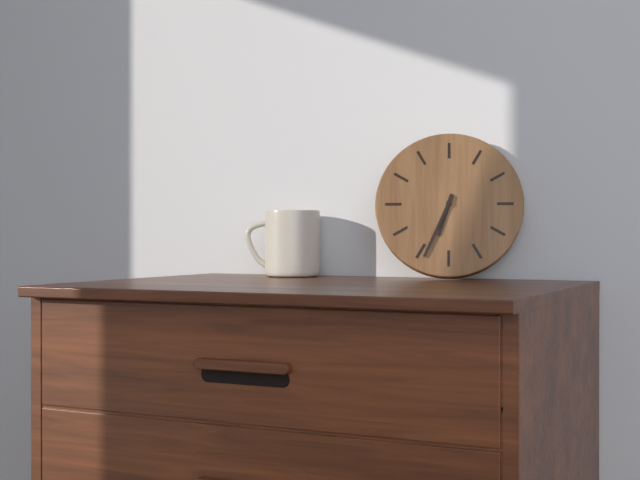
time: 6:34
